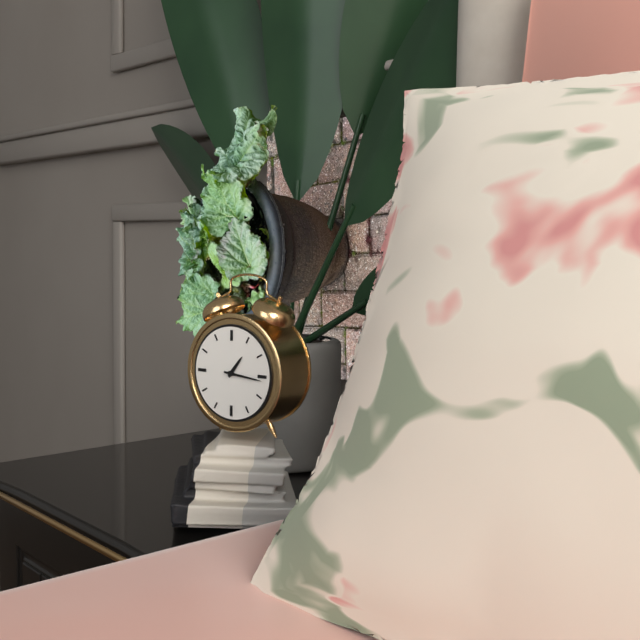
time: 1:16
